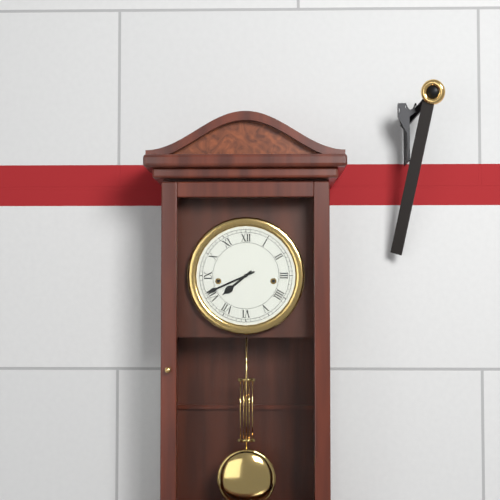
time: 7:41
